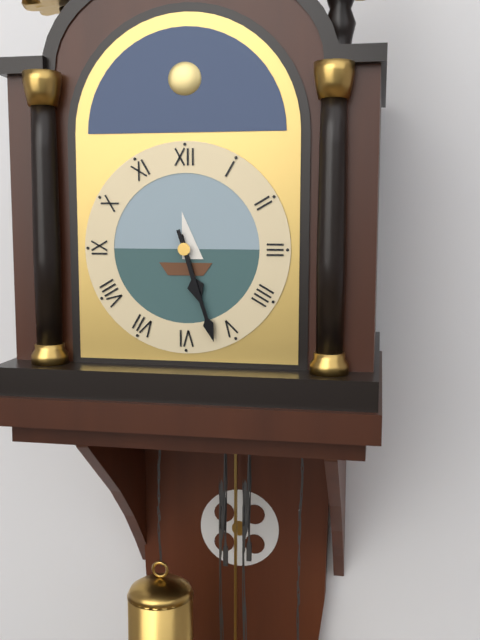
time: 5:27
